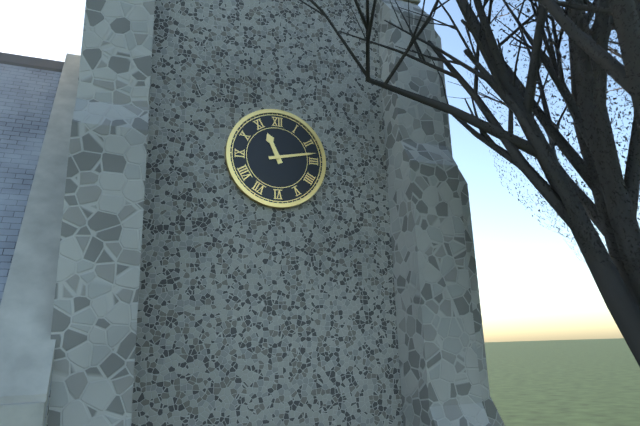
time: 11:13
